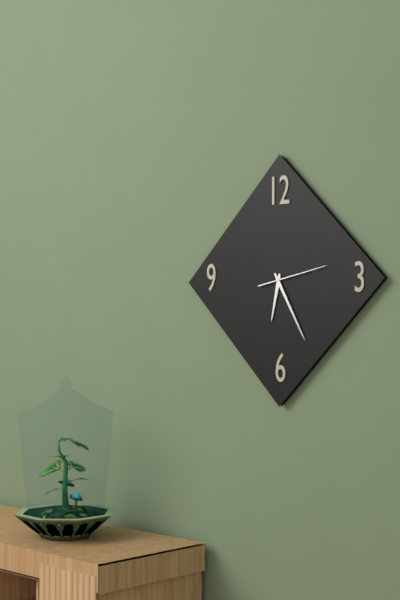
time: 6:25:13
